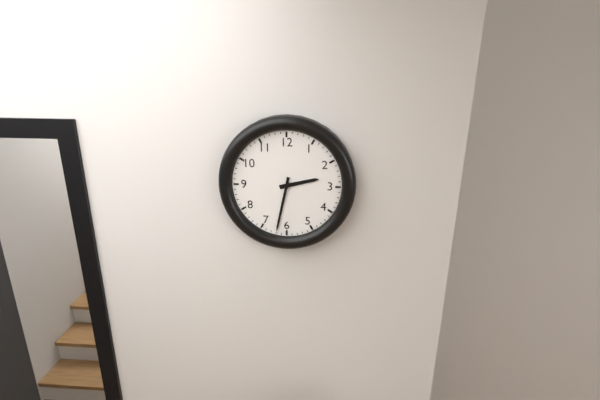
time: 2:32
